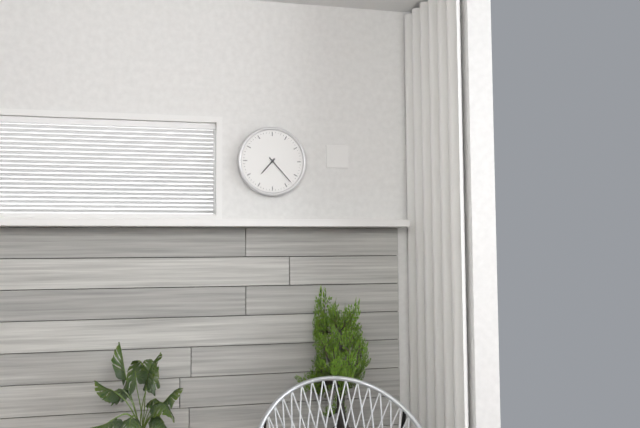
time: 7:23
